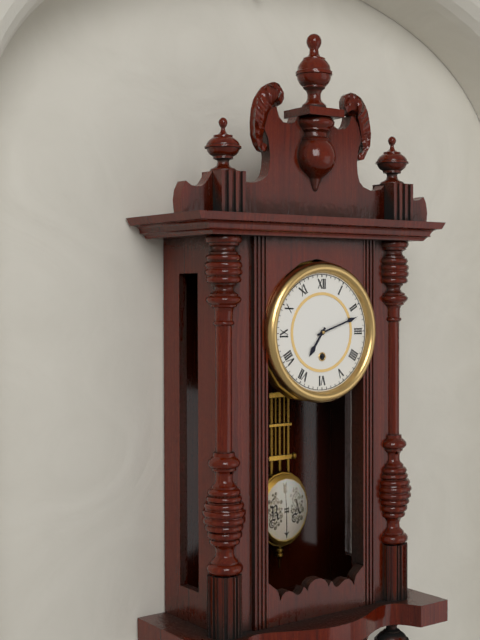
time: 7:12
